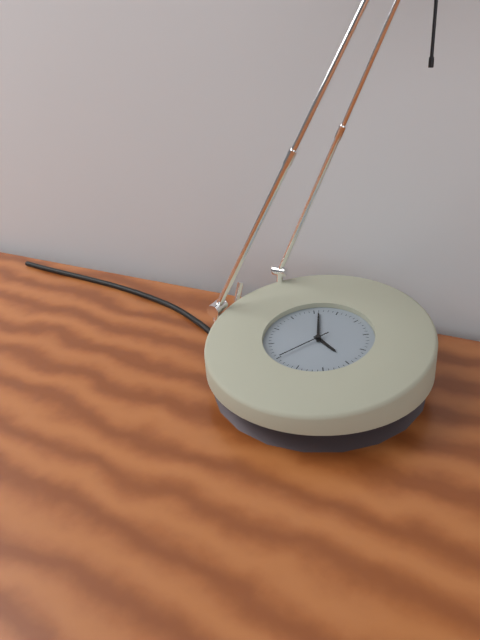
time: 3:56:35
